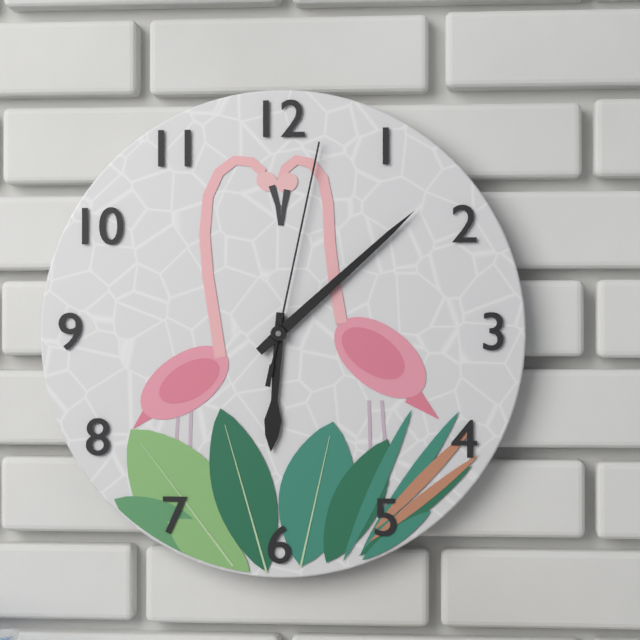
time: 6:08:02
